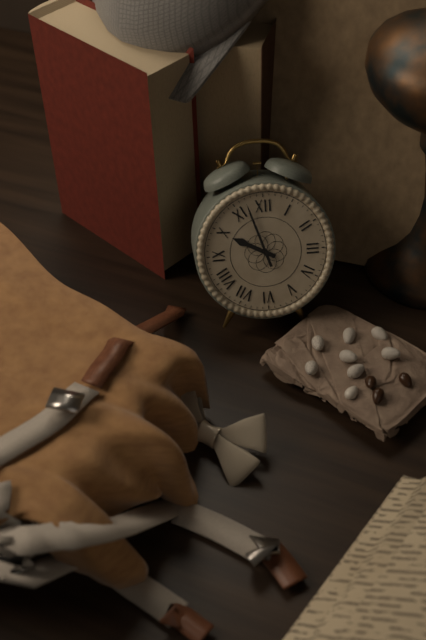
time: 9:57
